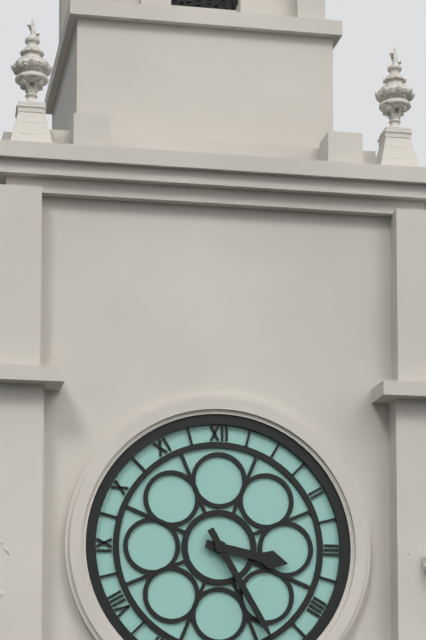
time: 3:25
